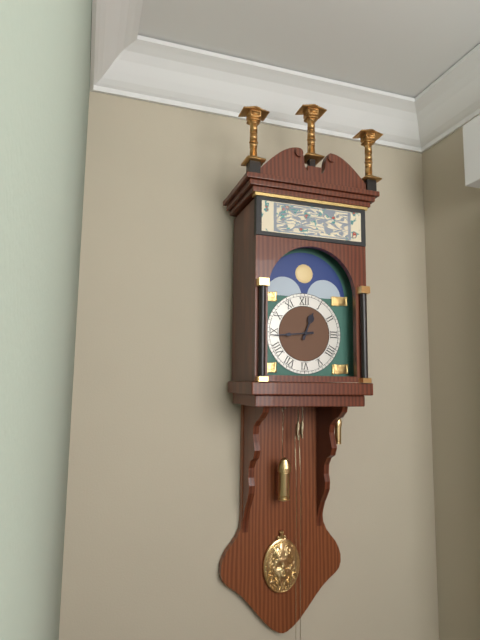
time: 12:44
